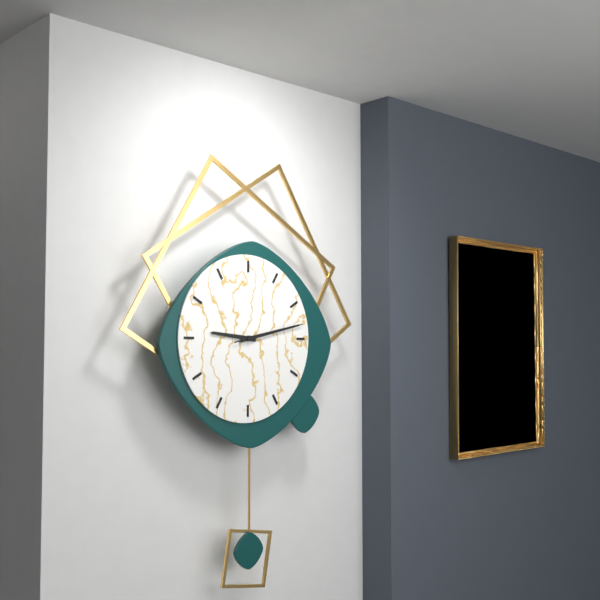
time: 9:13:13
